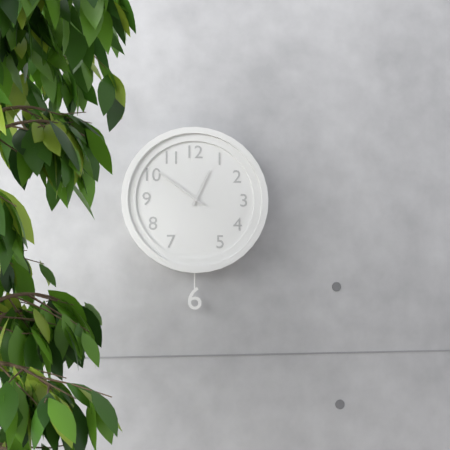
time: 12:51
